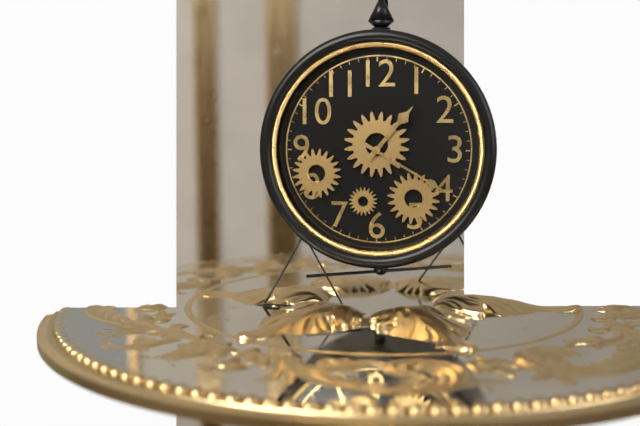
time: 1:20
